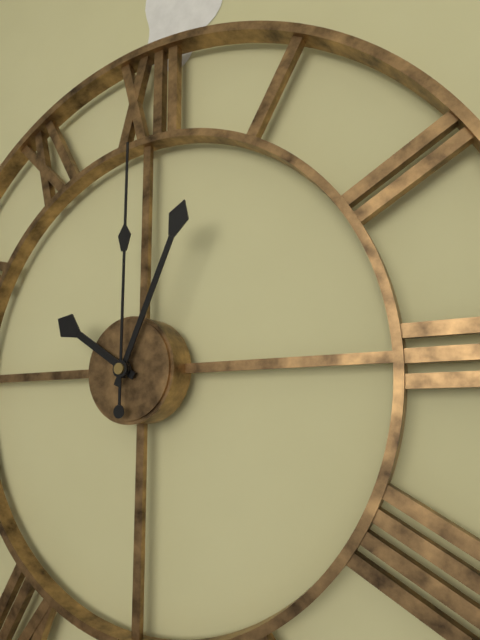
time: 10:04:00
